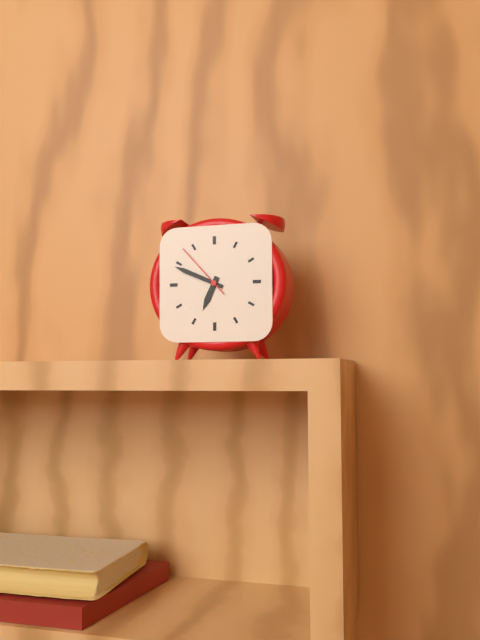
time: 6:49:53
